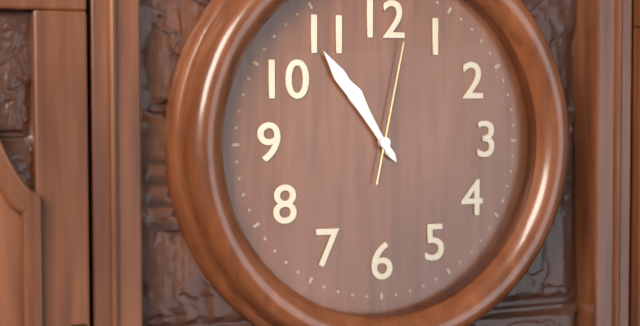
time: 10:54:02
